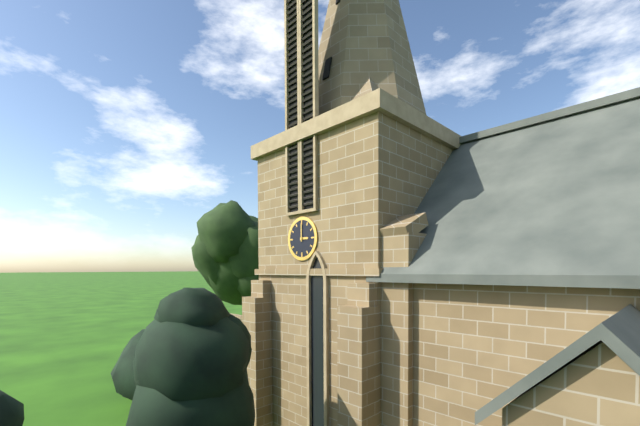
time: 3:00
